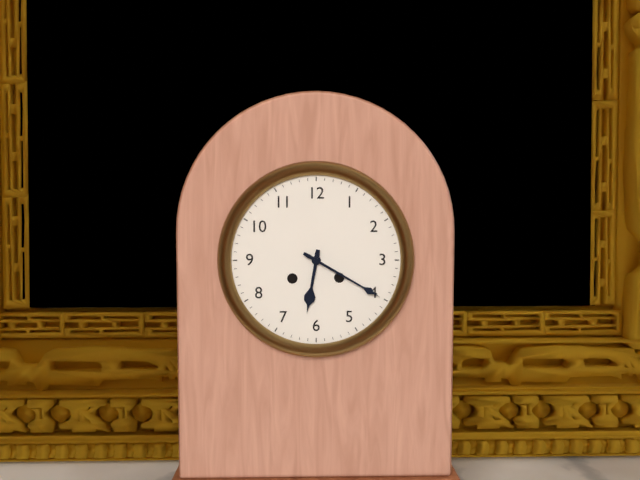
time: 6:20
